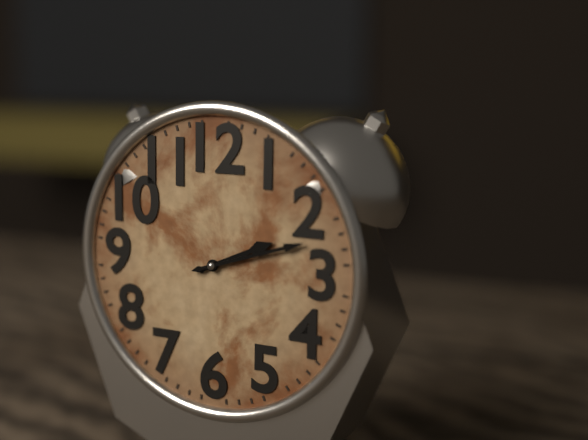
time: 2:12
